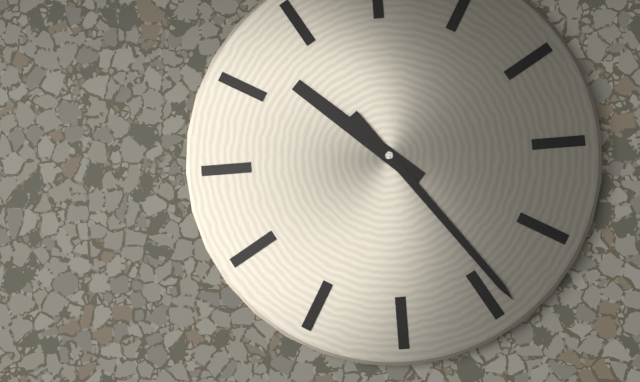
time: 10:24
